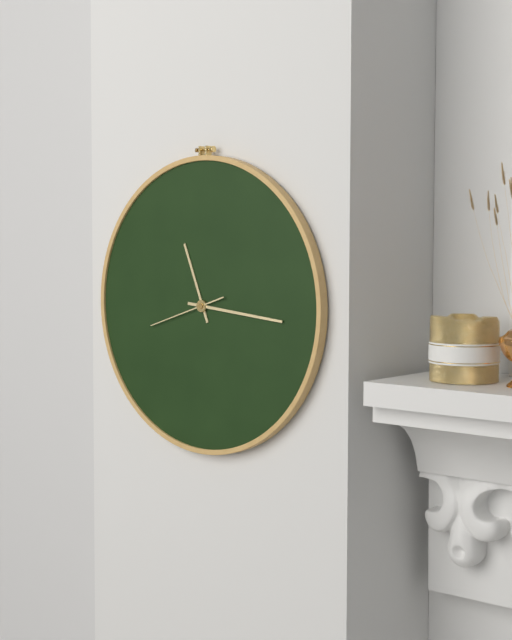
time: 11:16:42
